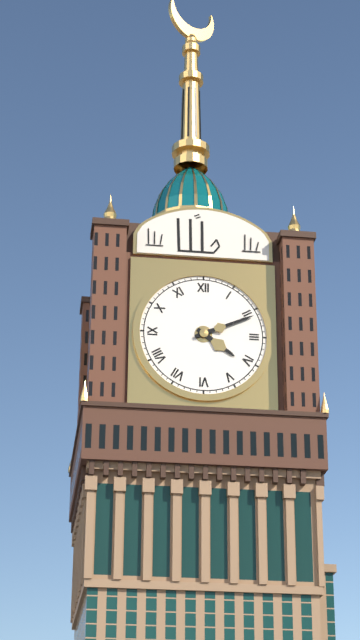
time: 4:11
